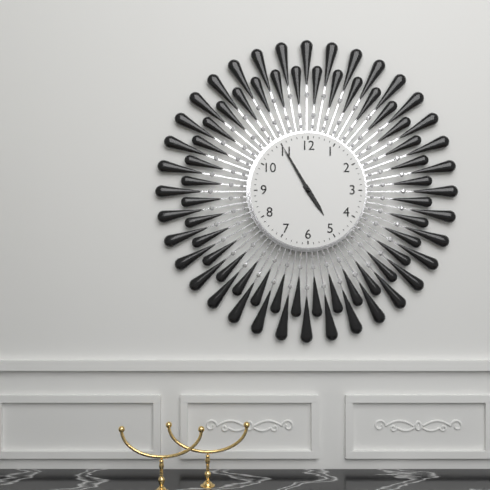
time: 4:55:55
